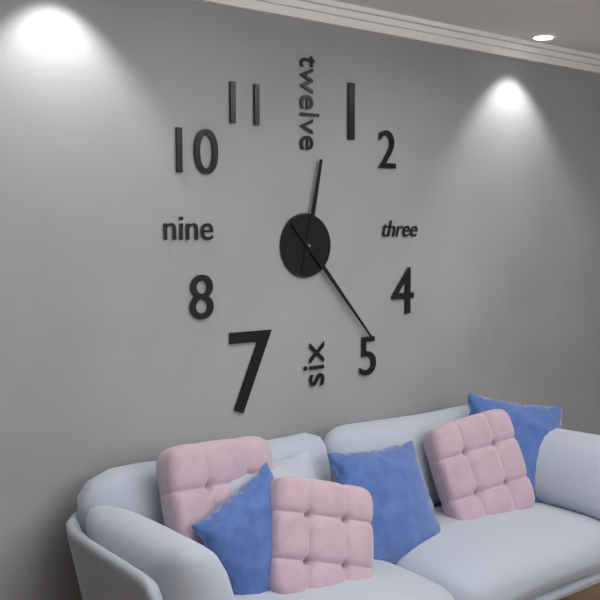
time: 12:23
